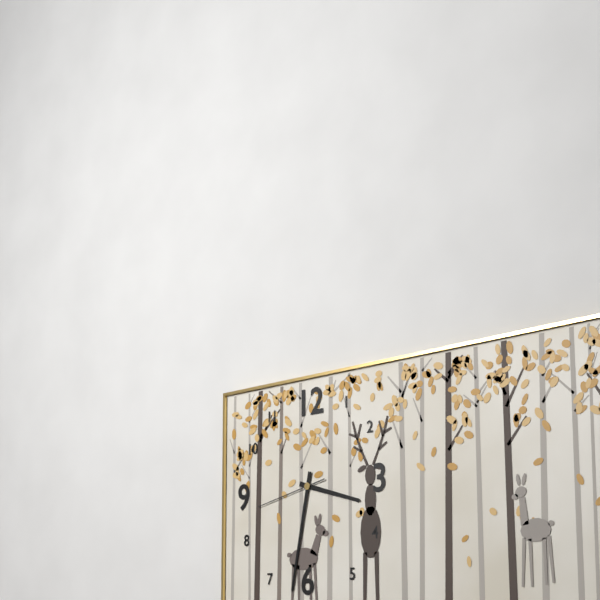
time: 3:32:43
